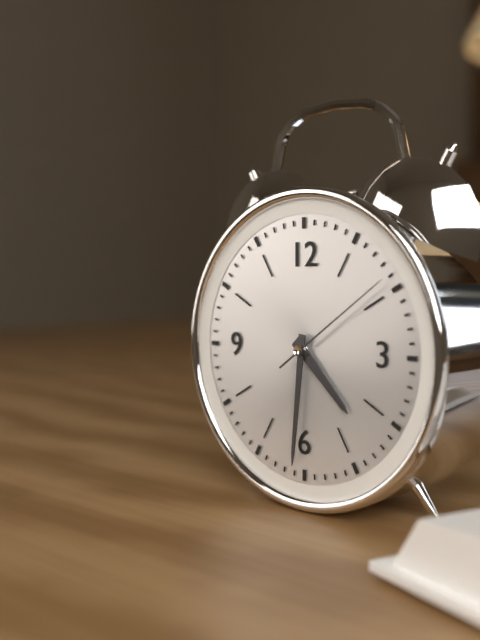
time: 4:31:09
